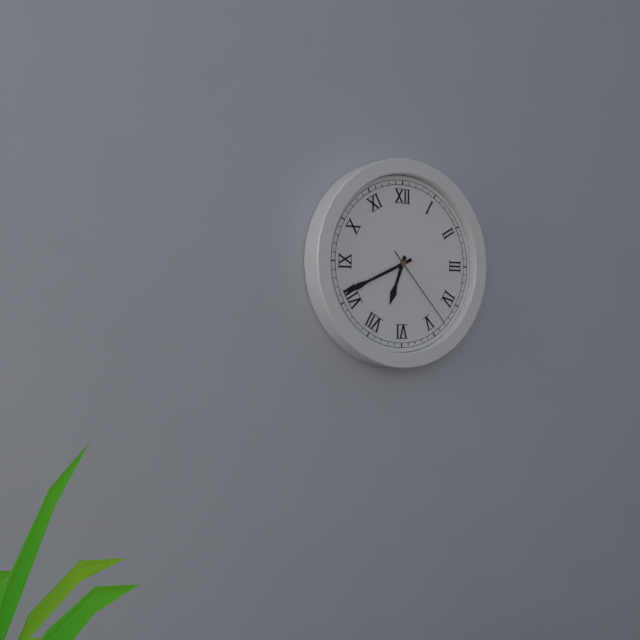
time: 6:41:23
